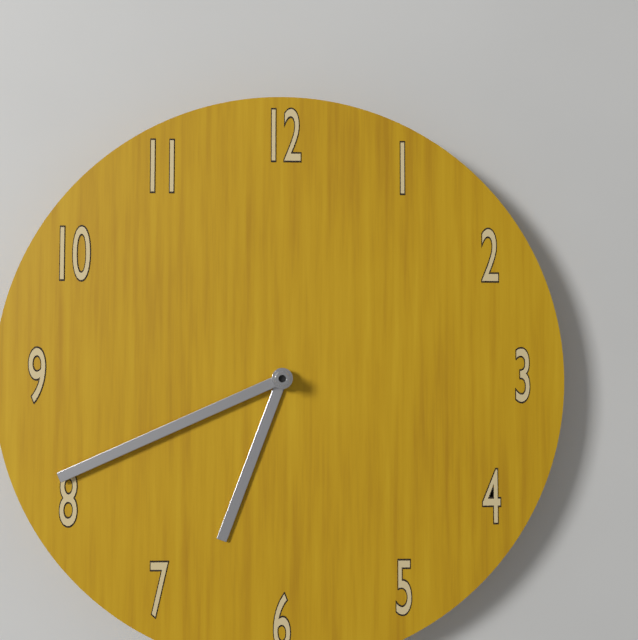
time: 6:41
